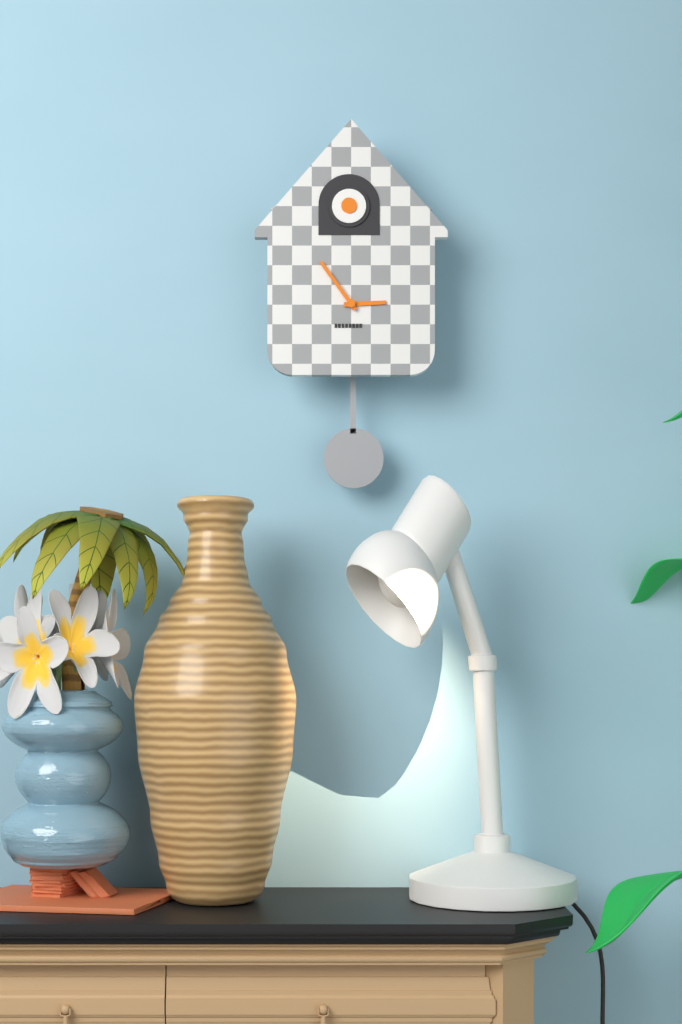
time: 2:54
